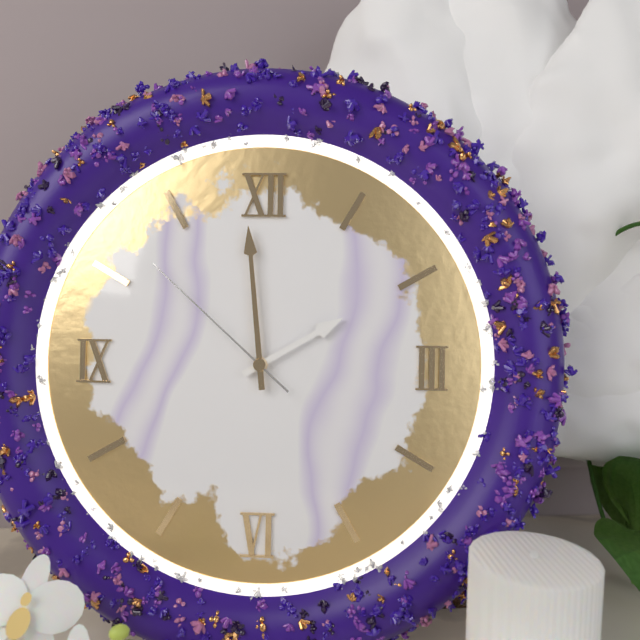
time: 1:59:52
